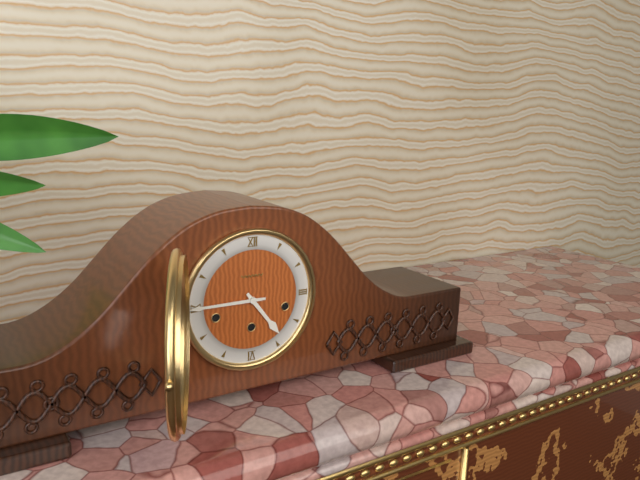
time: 4:45
